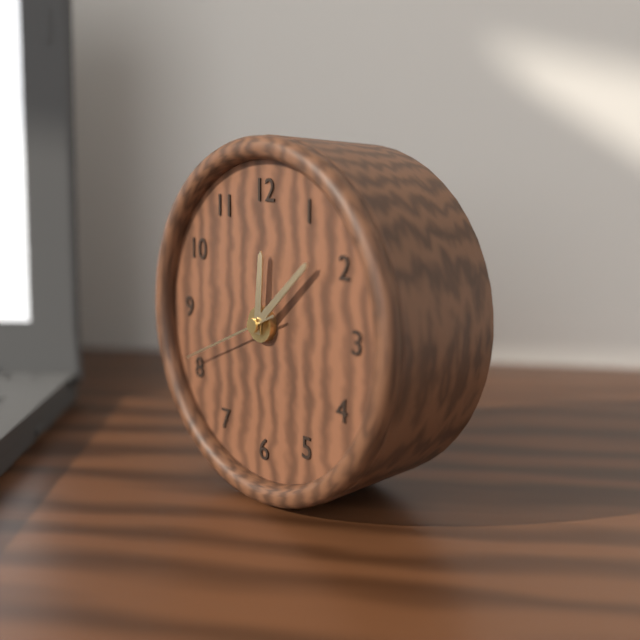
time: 12:08:41
